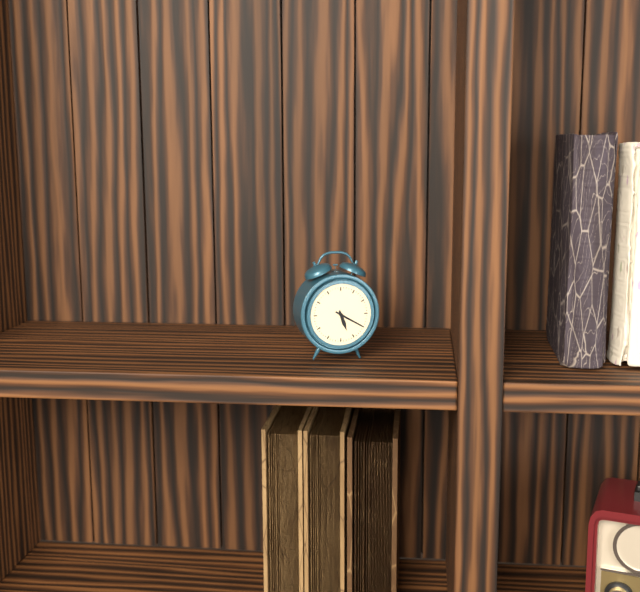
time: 5:20
